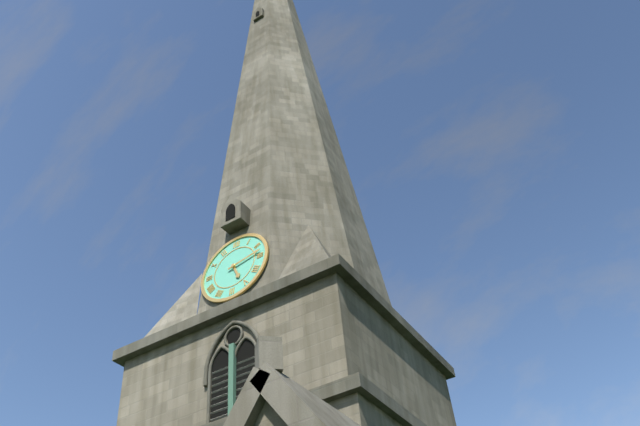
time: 5:13
